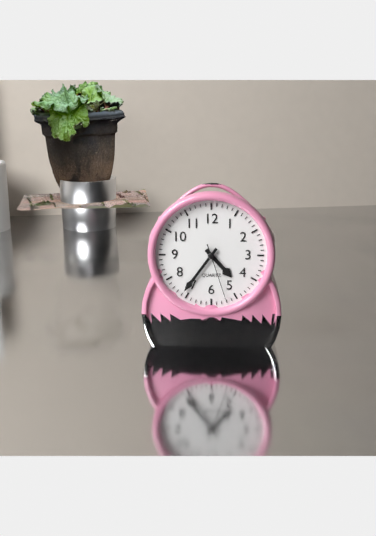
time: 4:36:27
